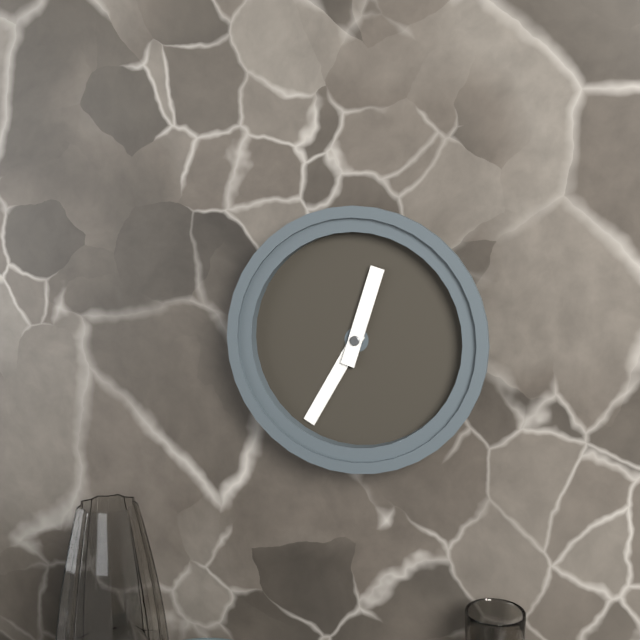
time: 12:35
